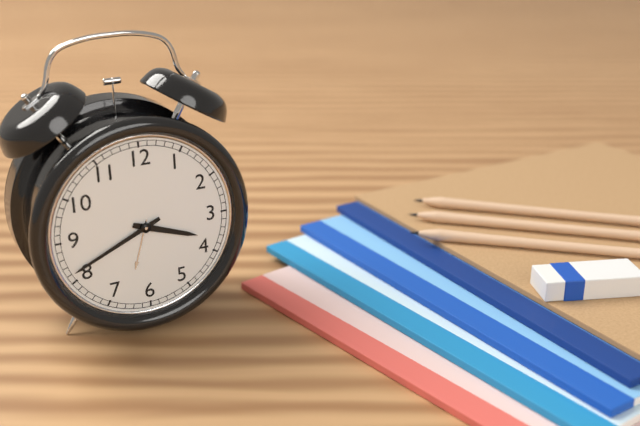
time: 3:41
